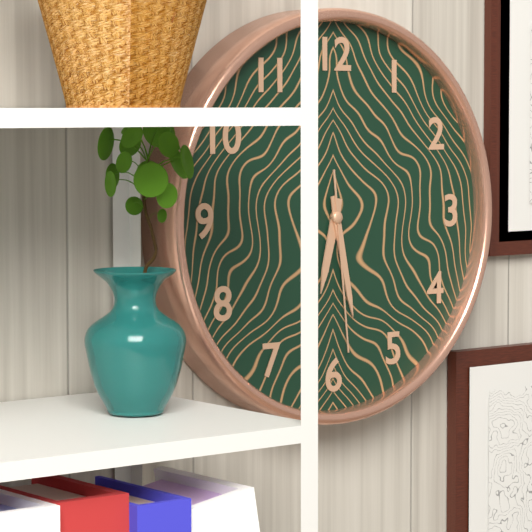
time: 6:28:29
